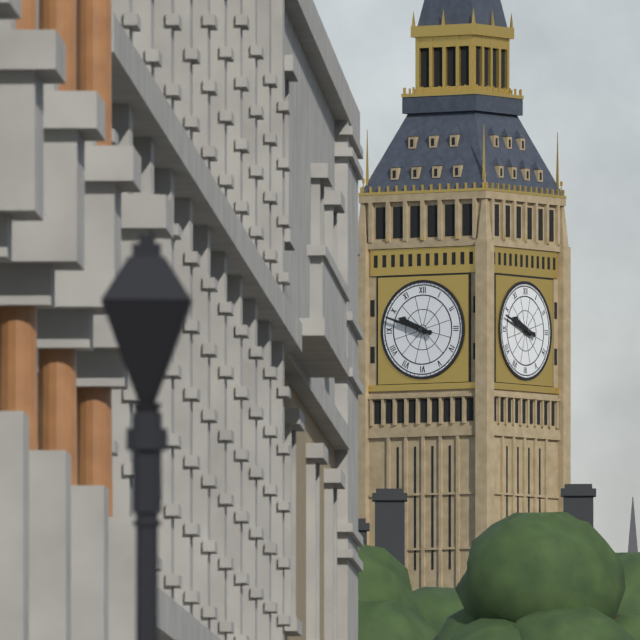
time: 9:48
